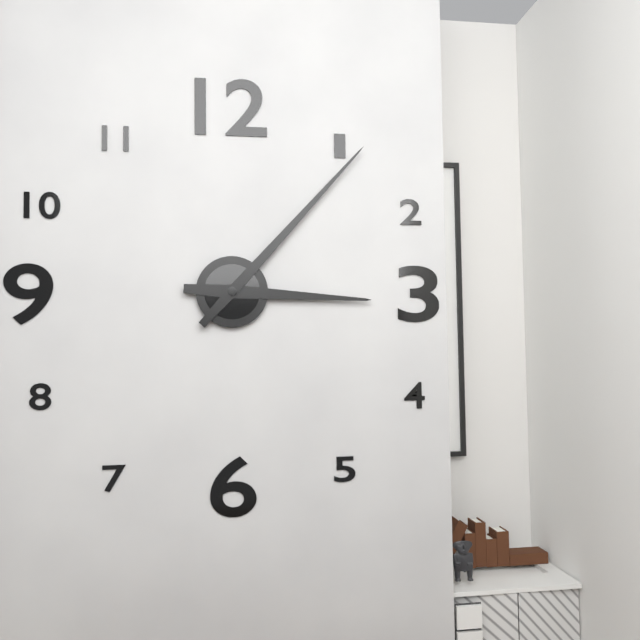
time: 3:07
